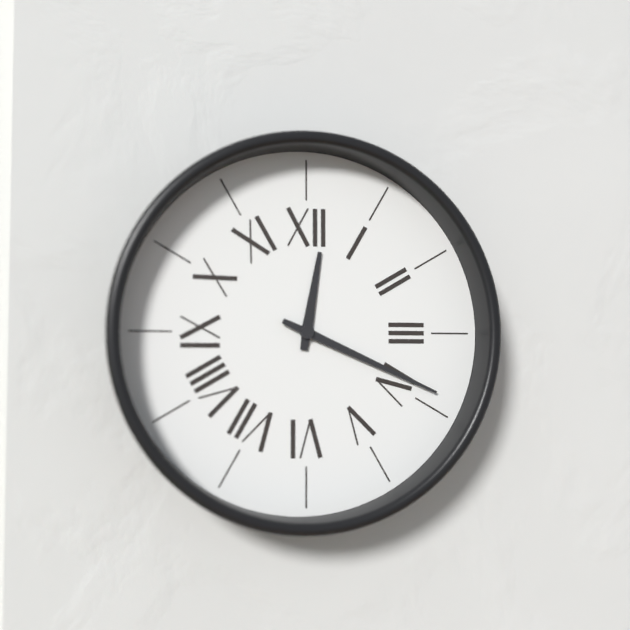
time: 12:19
